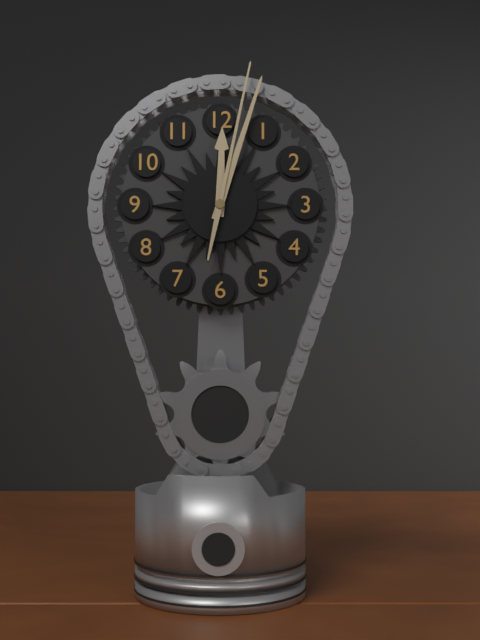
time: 12:03:02
